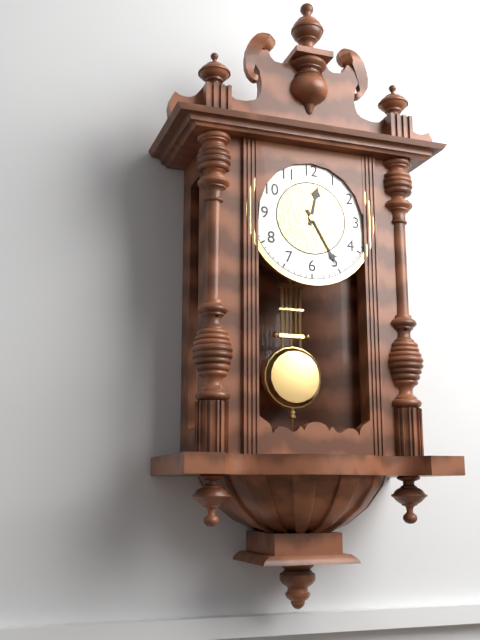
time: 12:25
